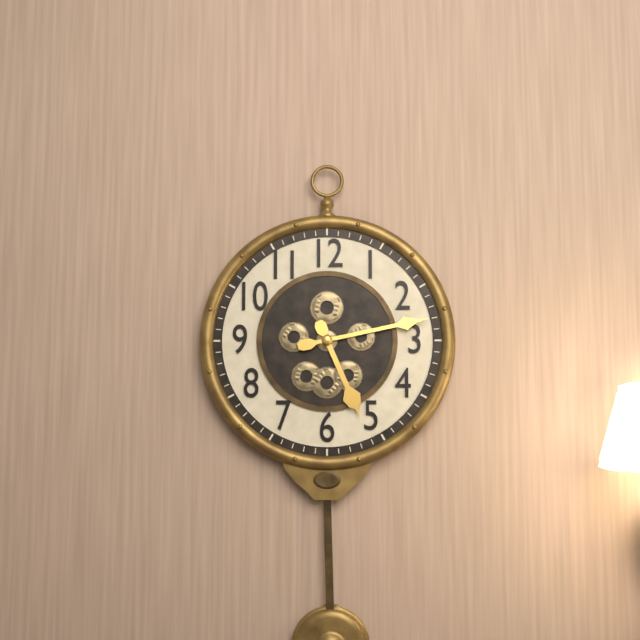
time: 5:13
